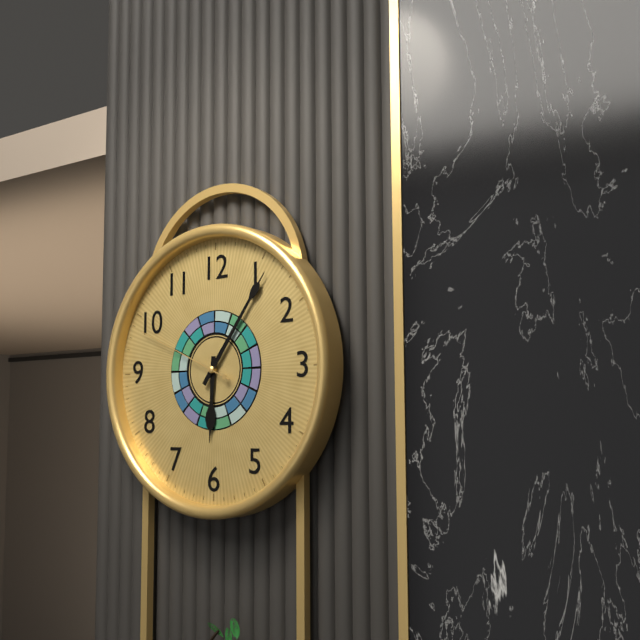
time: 6:06:49
